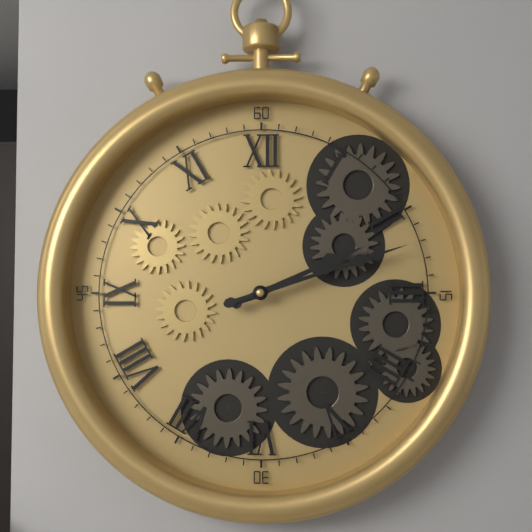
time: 2:12
